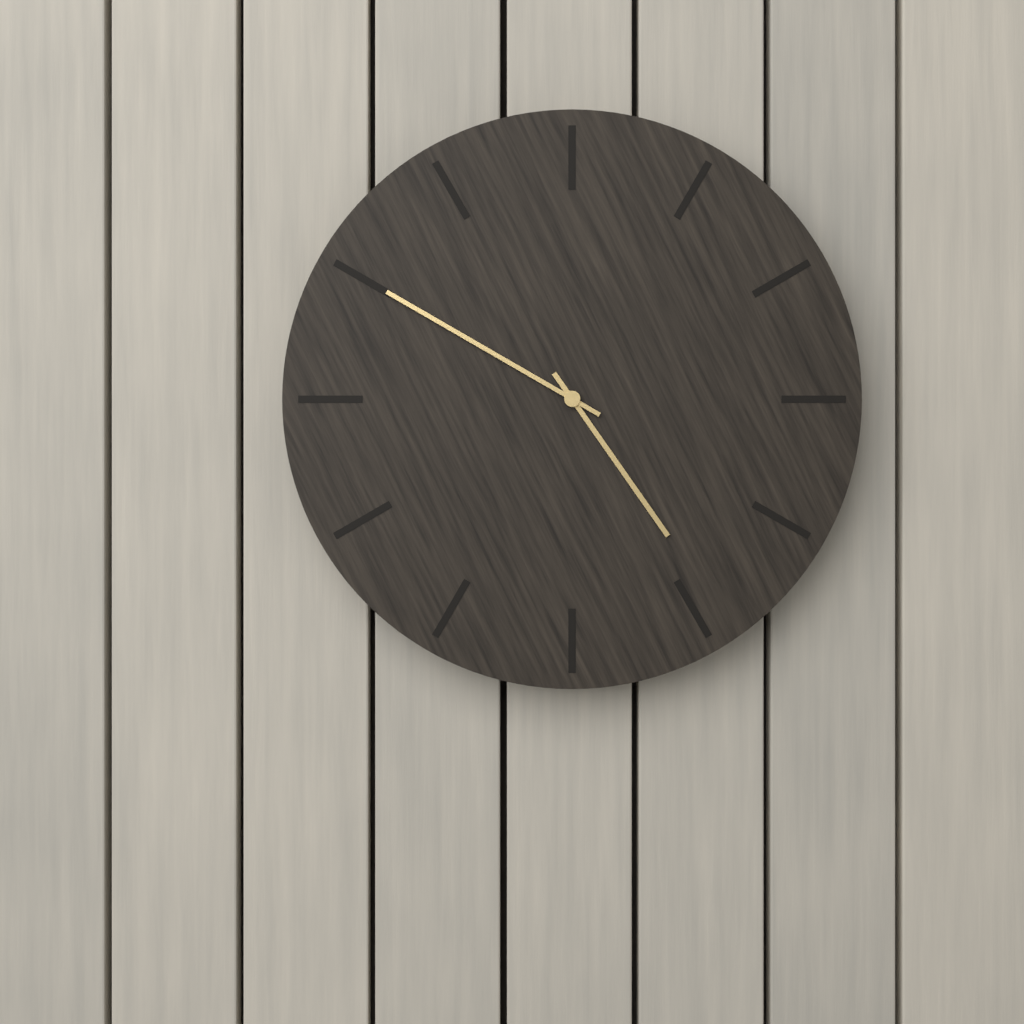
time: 4:50
